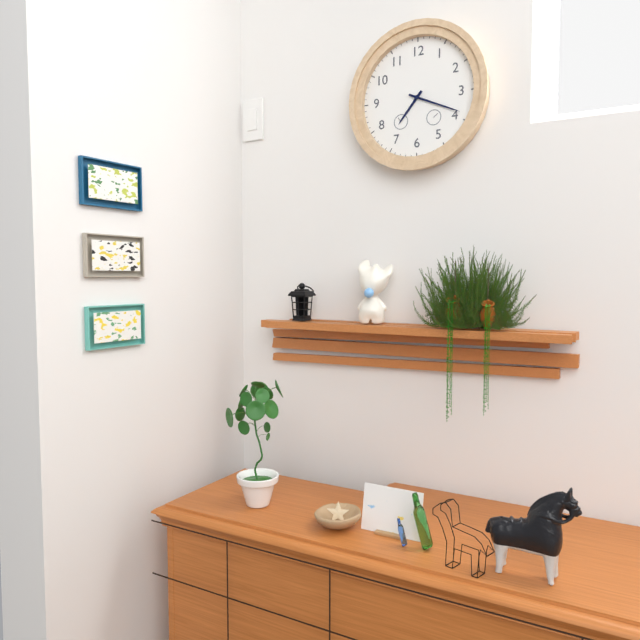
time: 7:19
